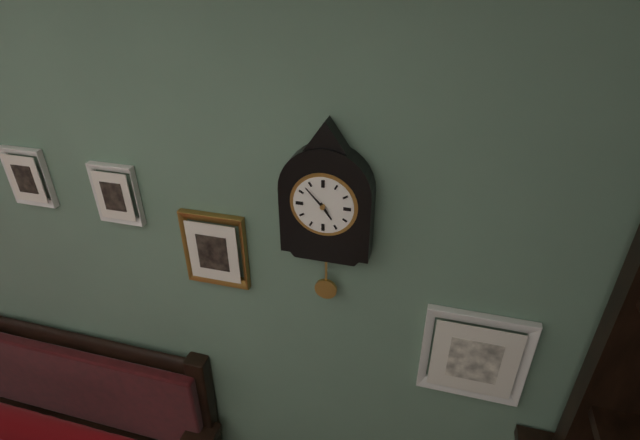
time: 4:53
